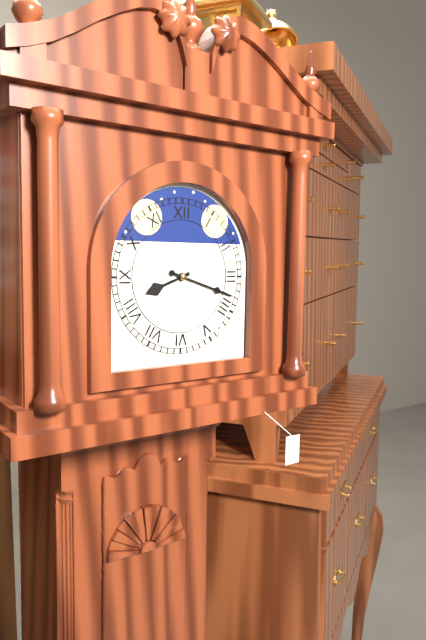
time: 8:18
